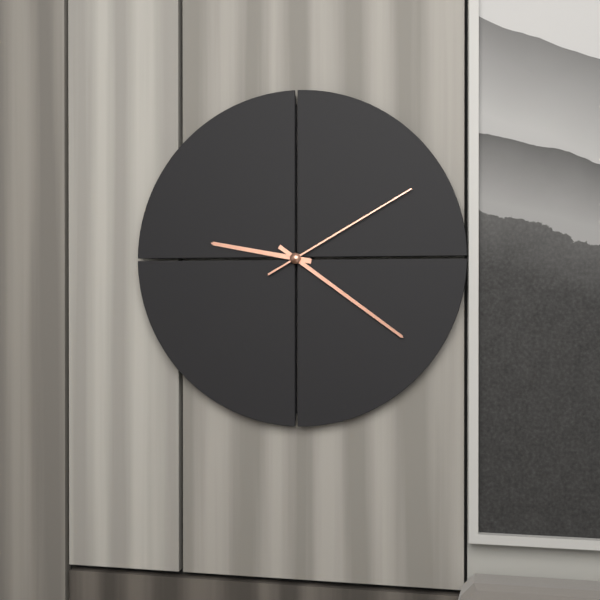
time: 9:21:10
